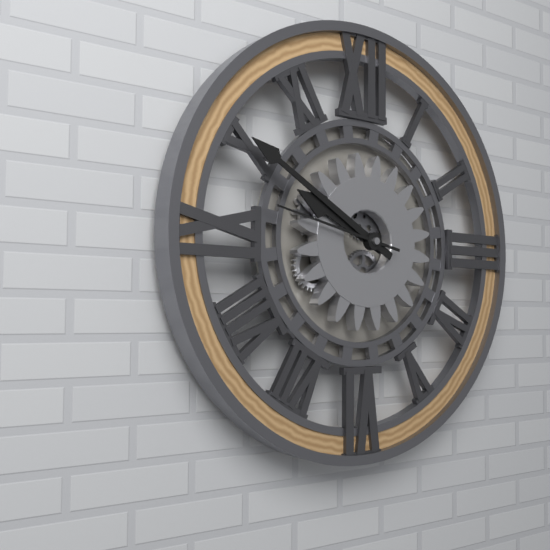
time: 9:50:47
